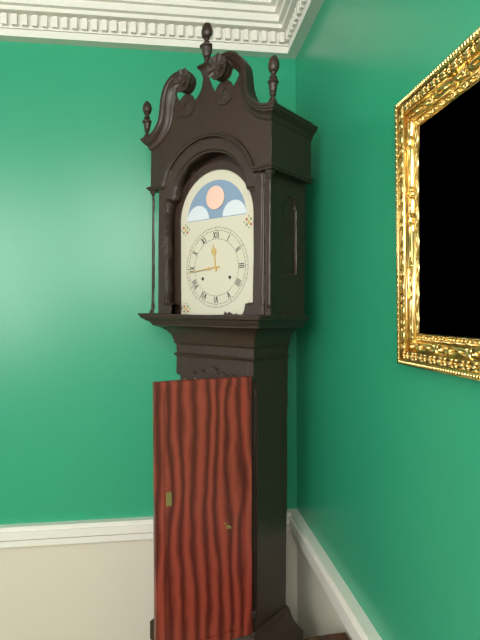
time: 11:44
